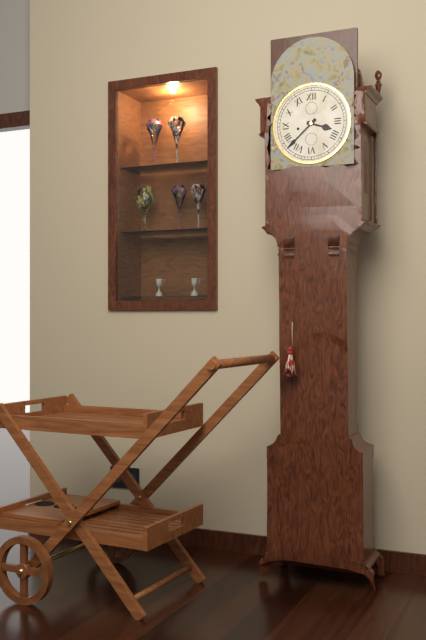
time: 3:38
